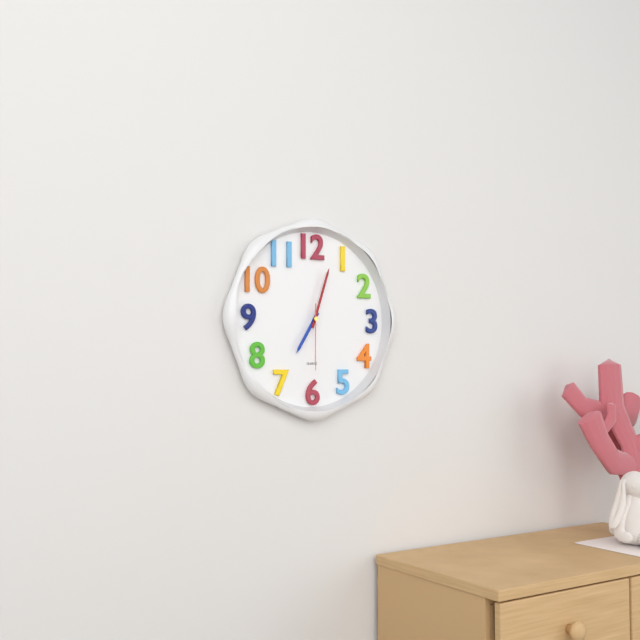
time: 7:03:30
